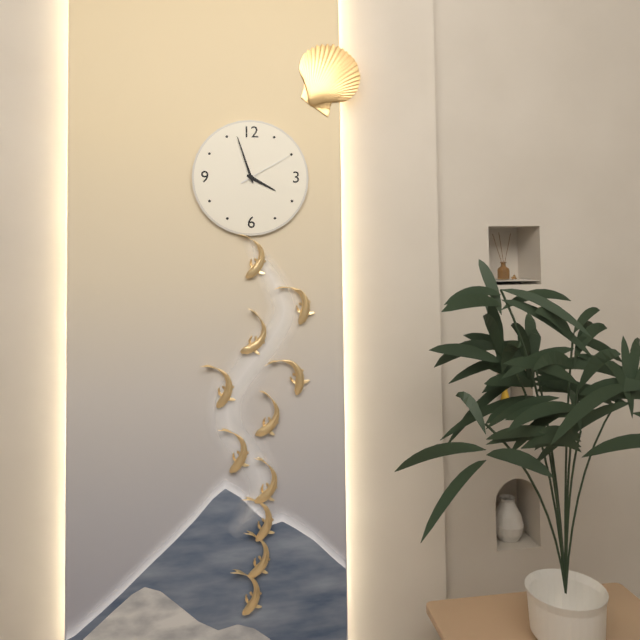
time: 3:57:10
